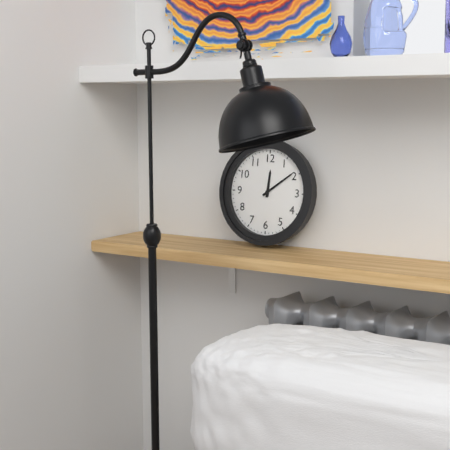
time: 12:09
